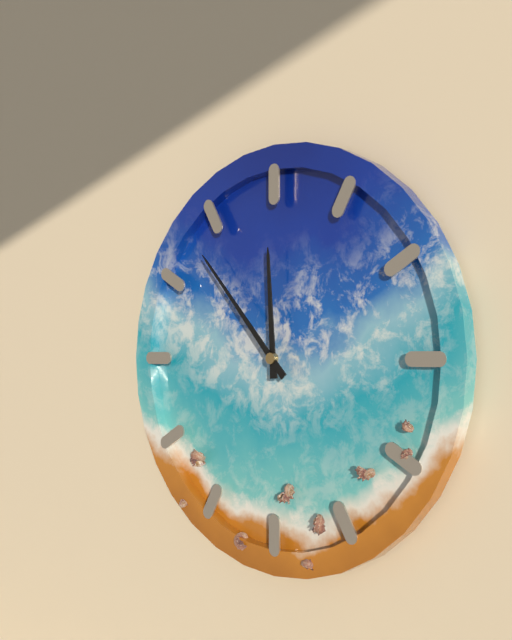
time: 11:53
